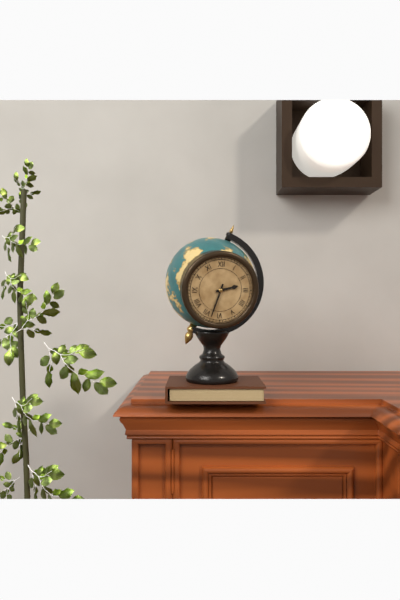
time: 2:33
